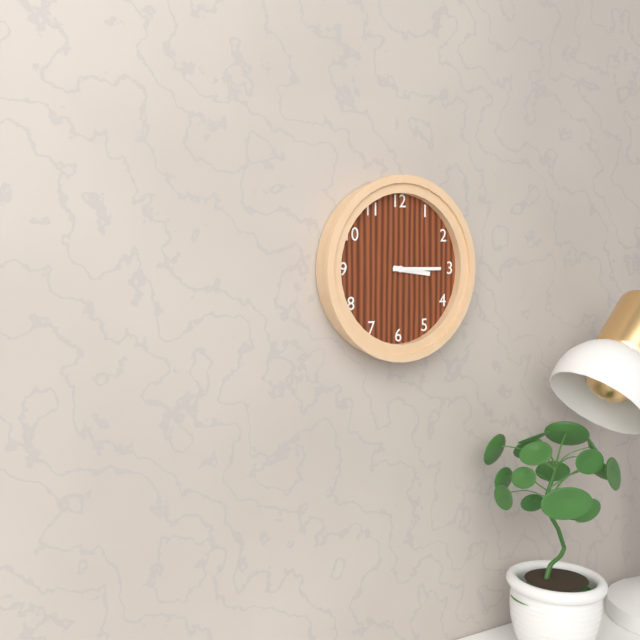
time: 3:15
